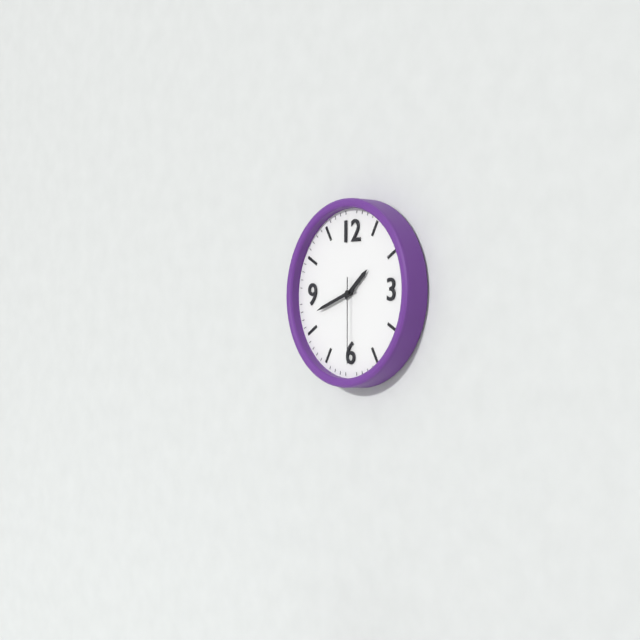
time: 1:42:30
